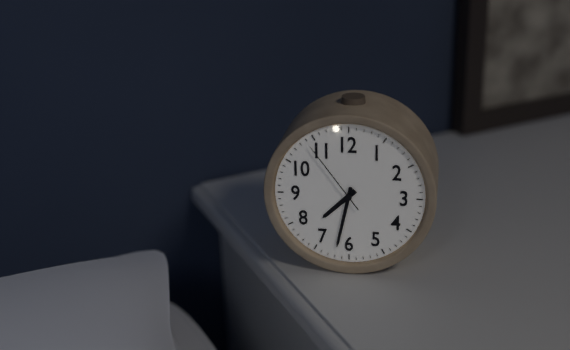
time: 7:32:54
